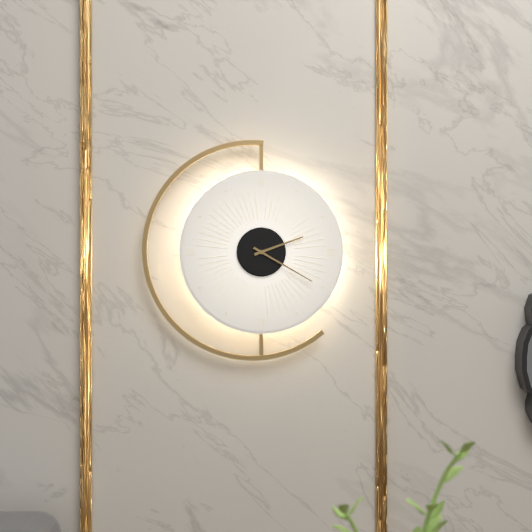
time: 2:20
